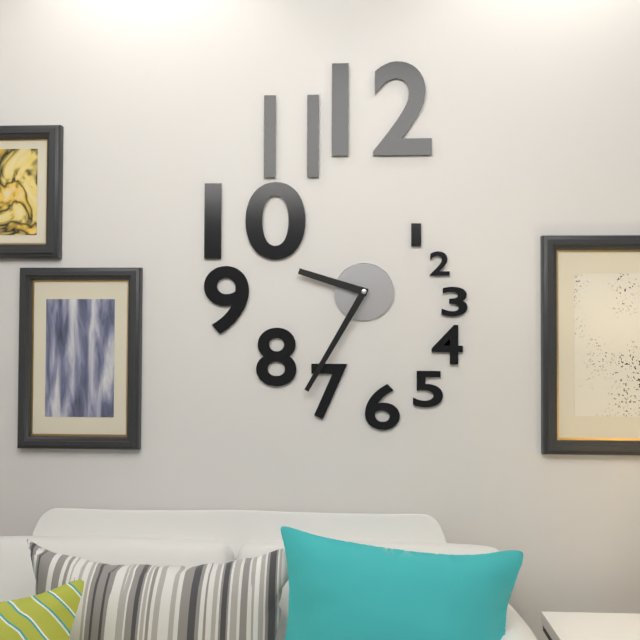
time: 9:35
